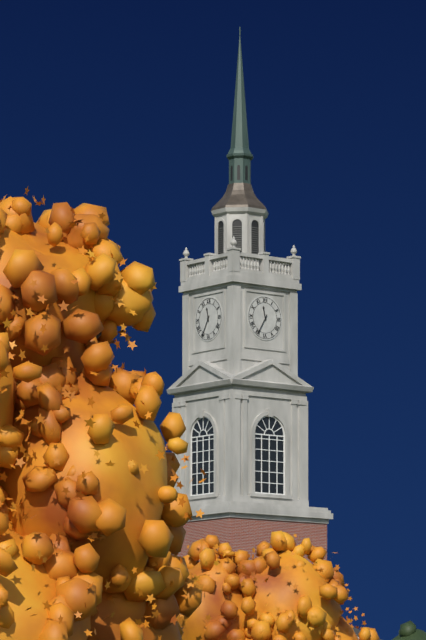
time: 11:35
